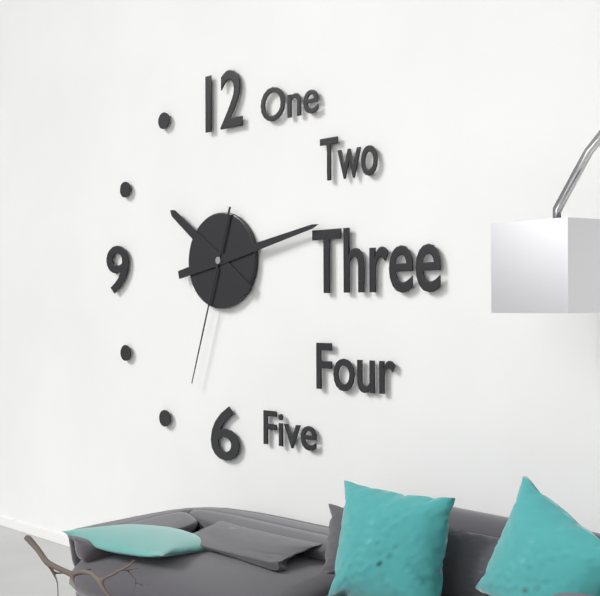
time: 10:13:33
